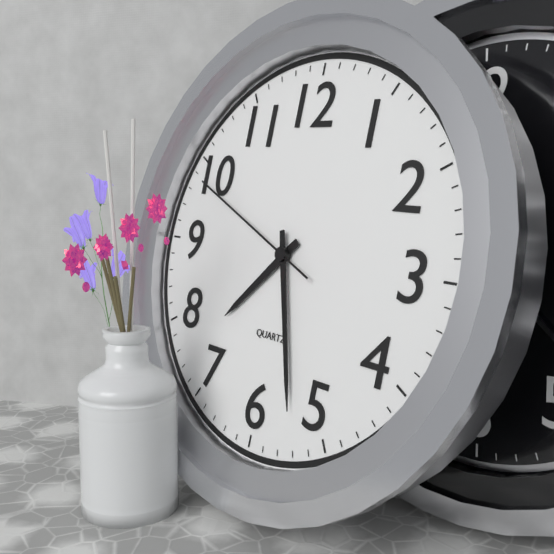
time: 7:27:49
